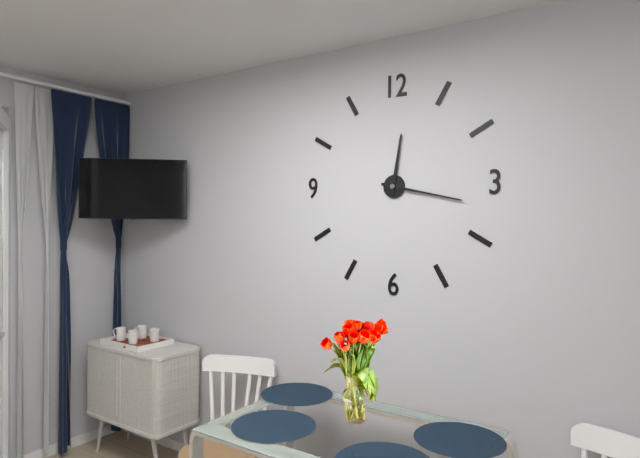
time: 12:17
